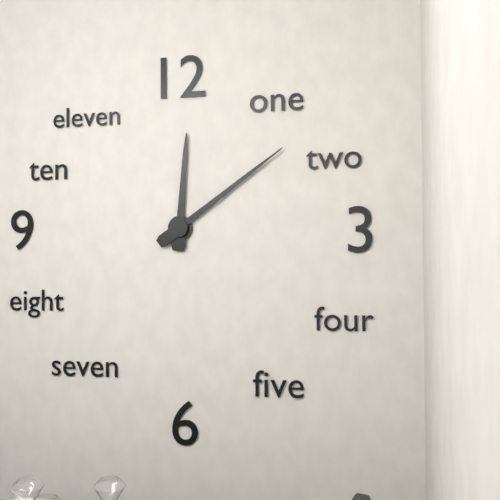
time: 12:09
